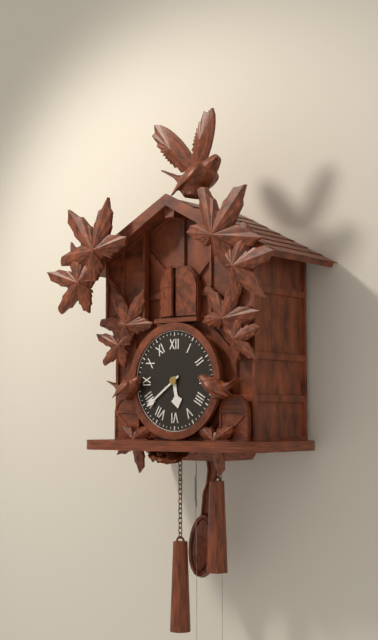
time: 5:39
